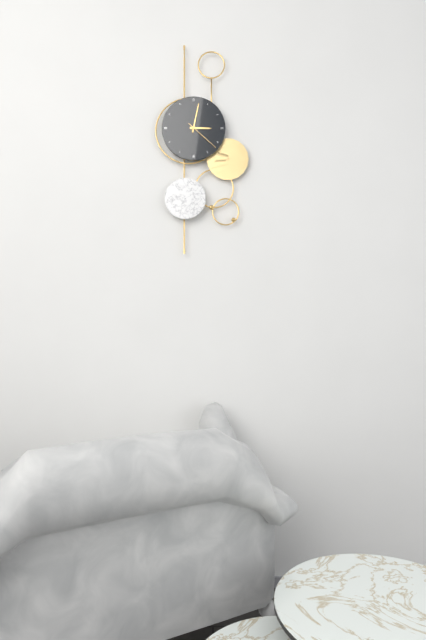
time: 3:02
